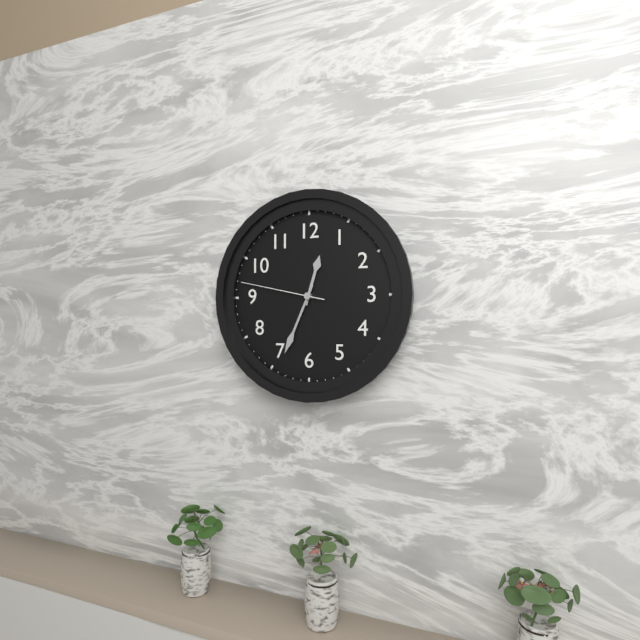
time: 12:34:47
